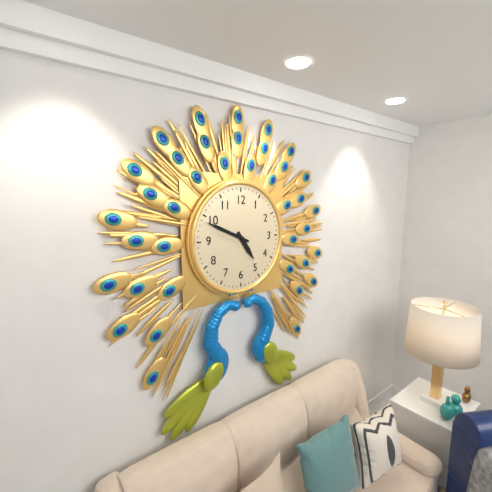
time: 4:49
